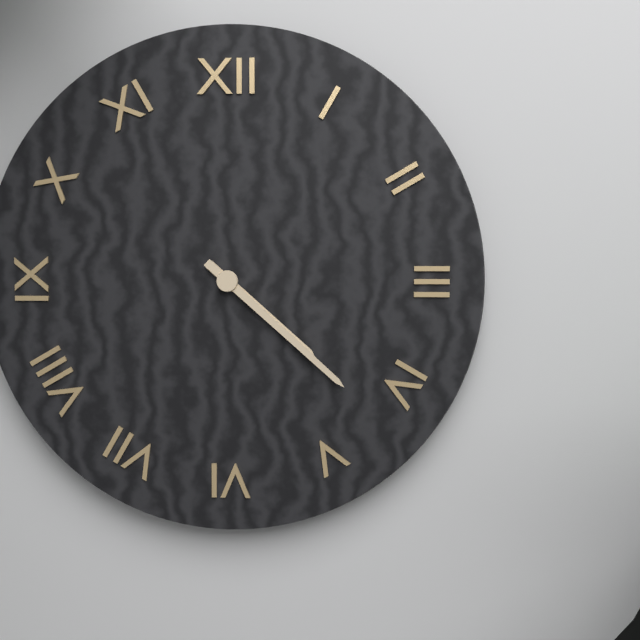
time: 4:22
